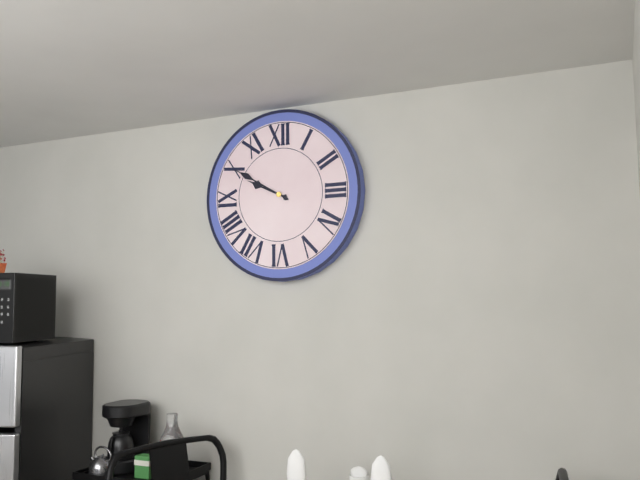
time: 9:50
